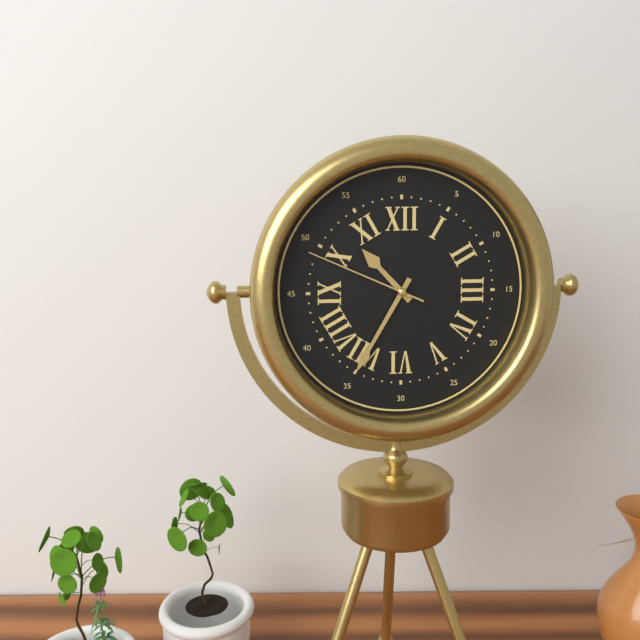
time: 10:35:49
